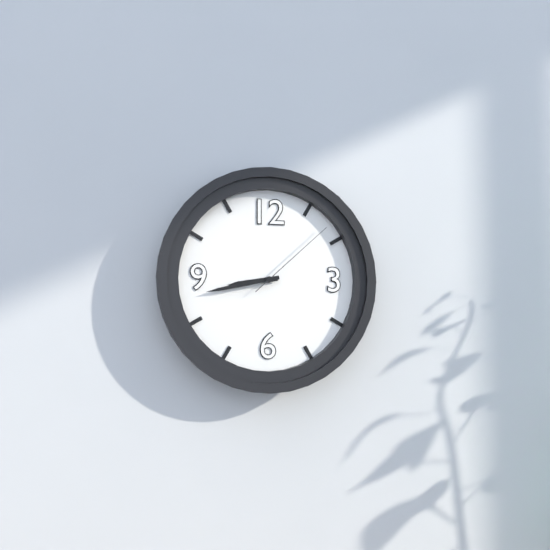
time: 8:43:08
